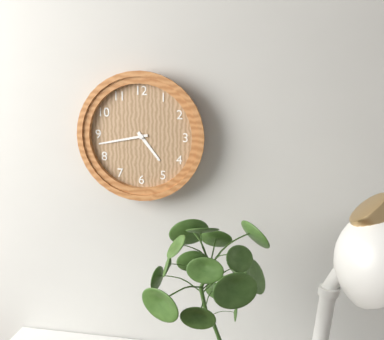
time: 4:43
